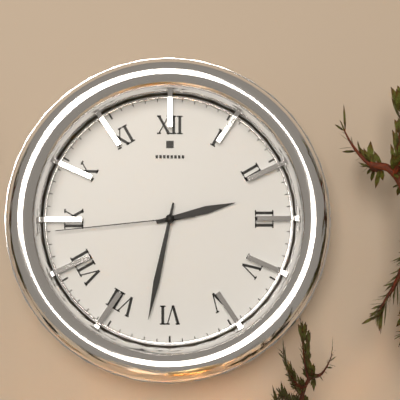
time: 2:32:44
